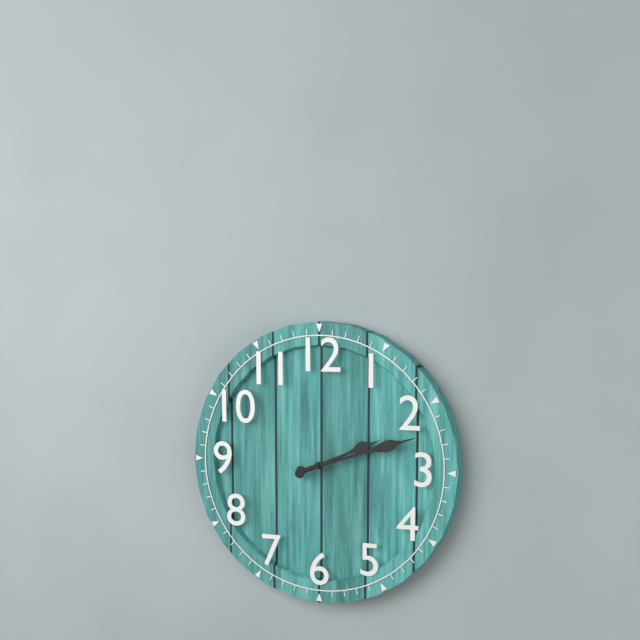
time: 2:12
